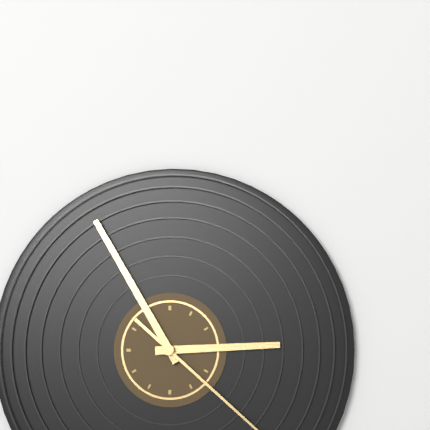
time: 2:55
